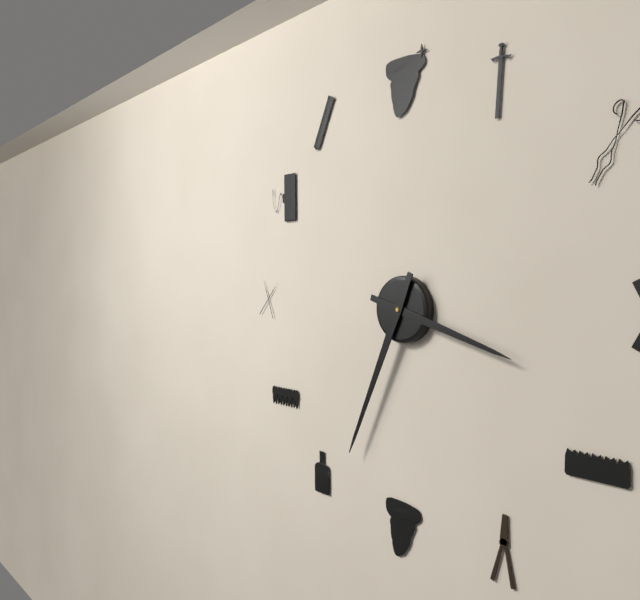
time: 3:34
